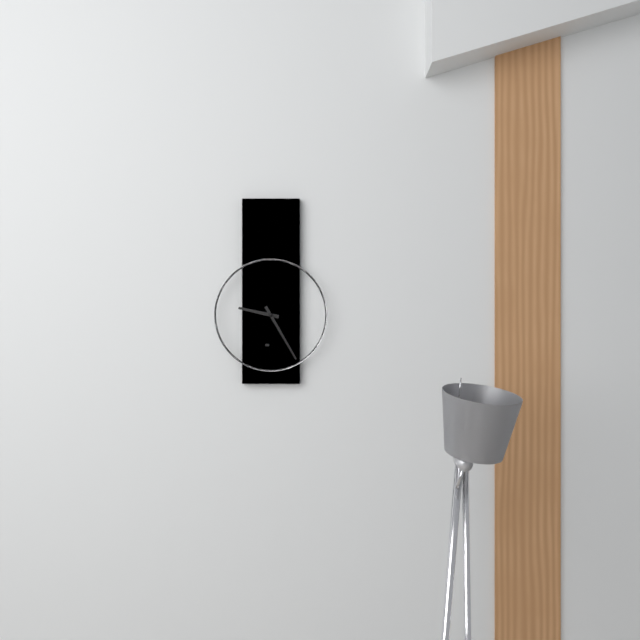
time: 9:25
